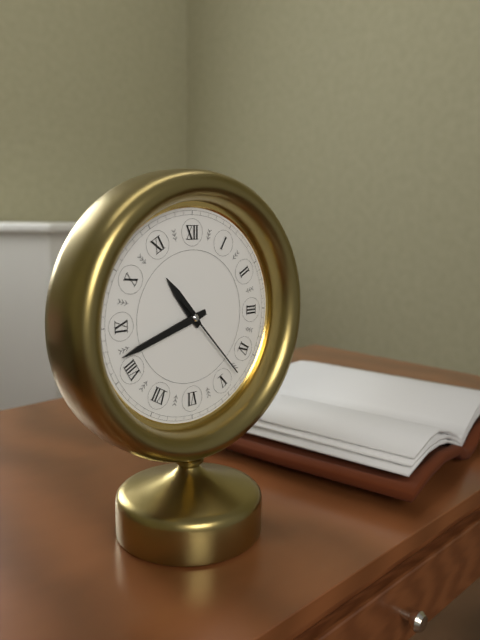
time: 10:42:23
